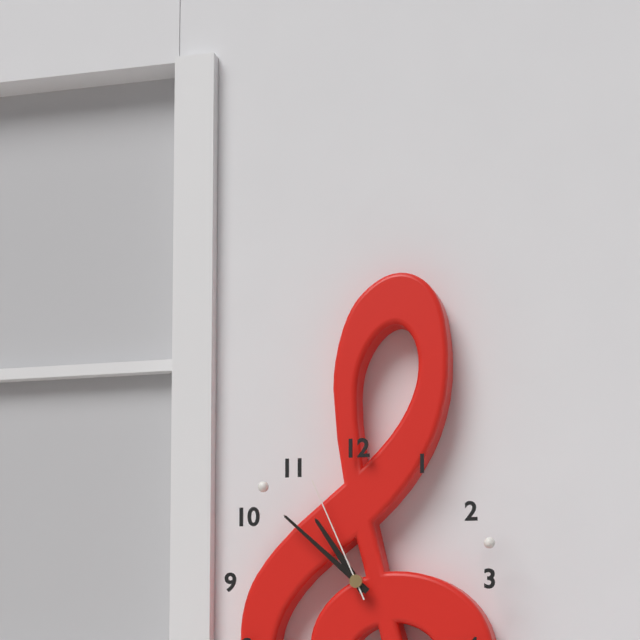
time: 10:52:56
